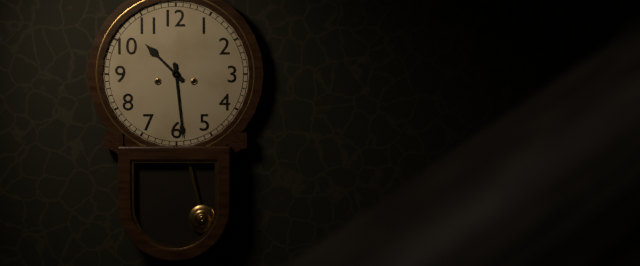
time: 10:29
